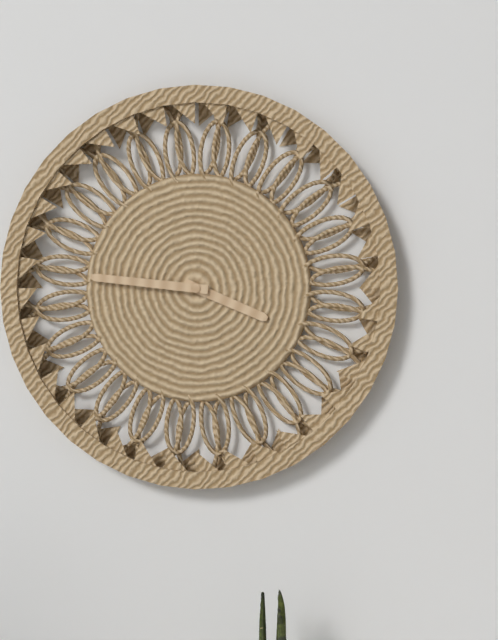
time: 3:46
